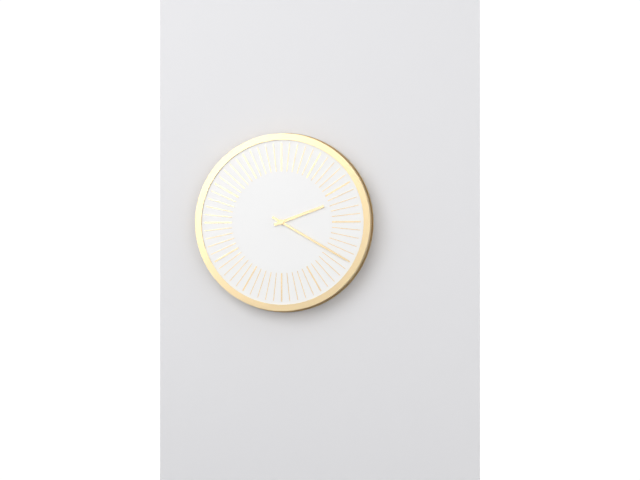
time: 2:20
